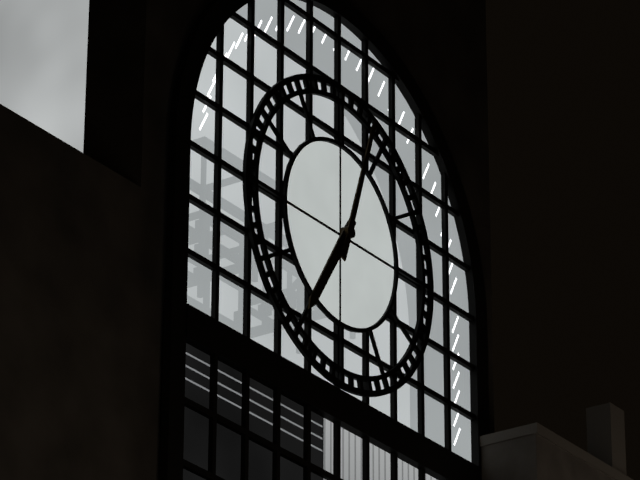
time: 7:03
